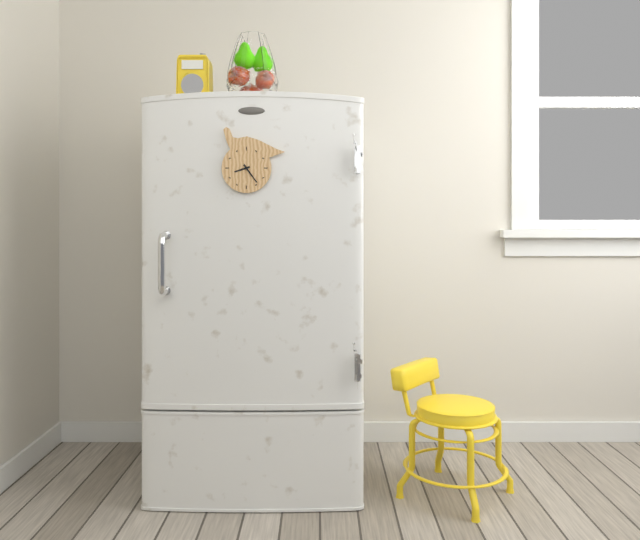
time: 8:24
